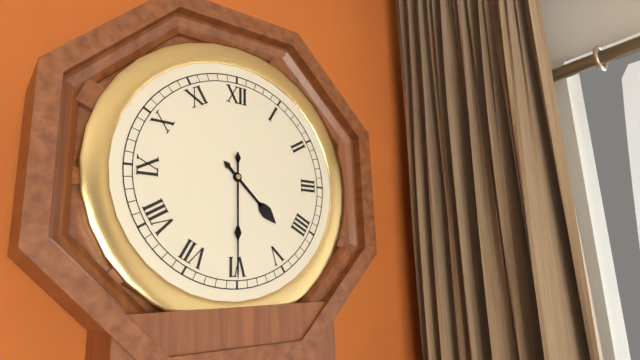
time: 4:30
